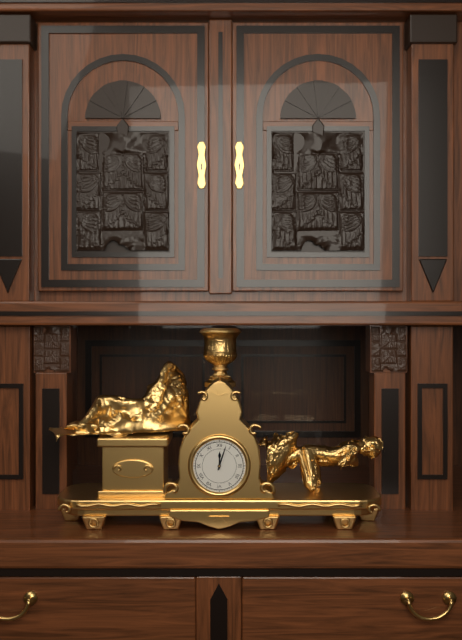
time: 12:03
